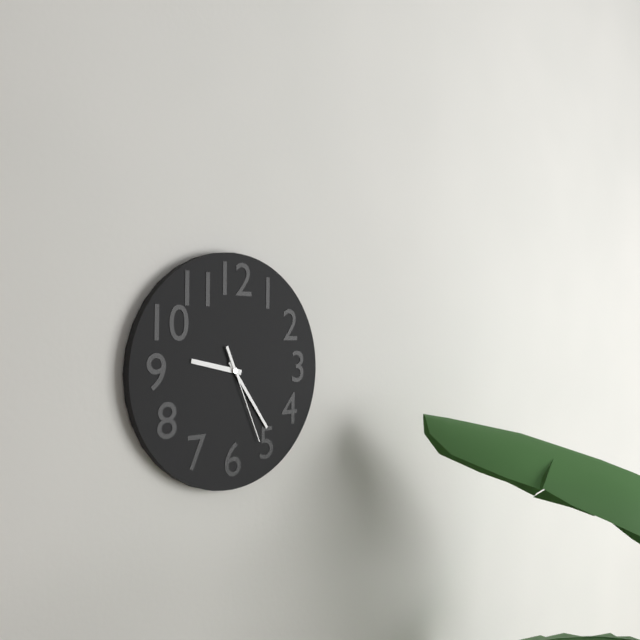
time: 9:24:26
